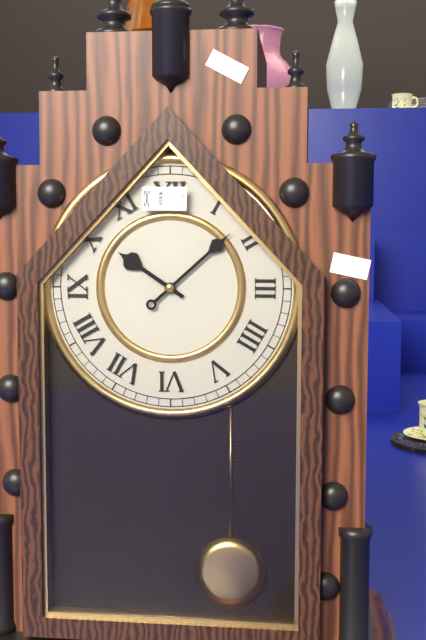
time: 10:08
